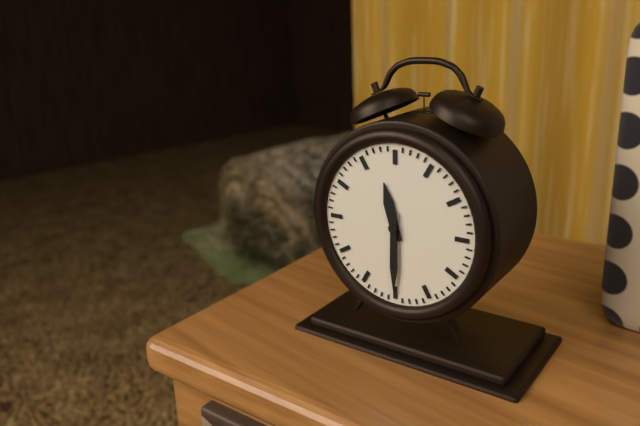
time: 11:30
